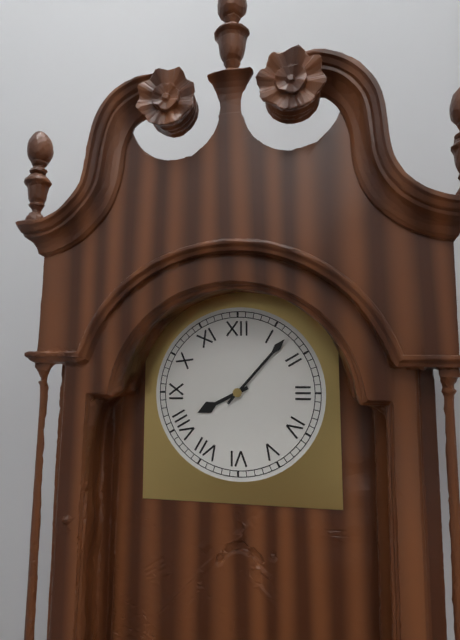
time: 8:07
